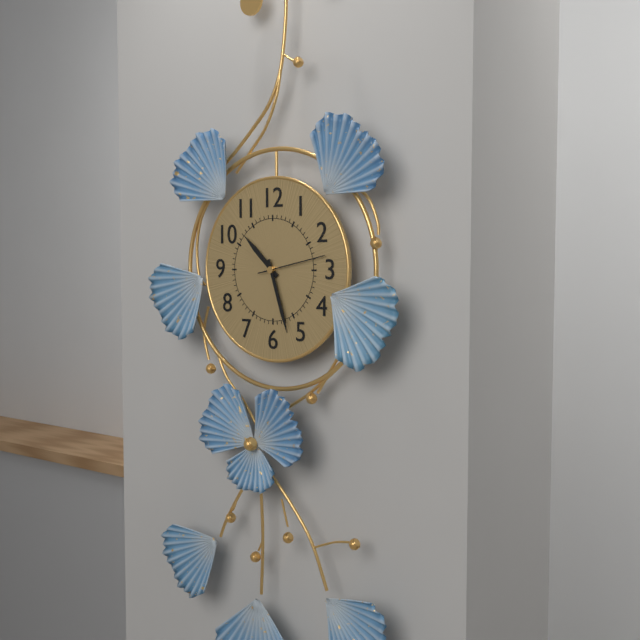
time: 10:27:13
